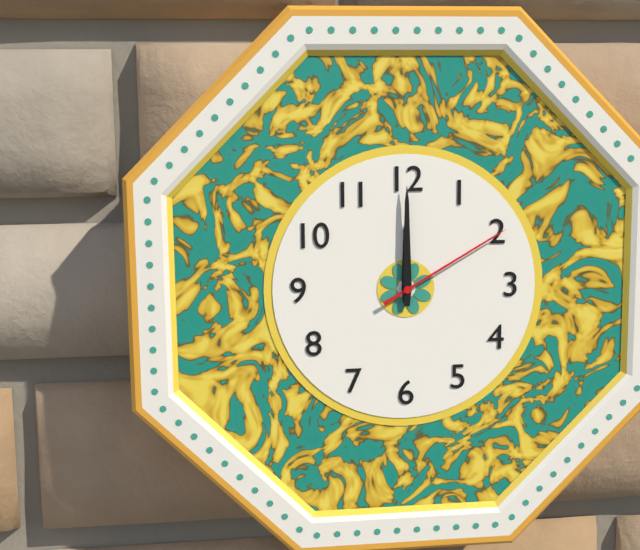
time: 12:00:10
